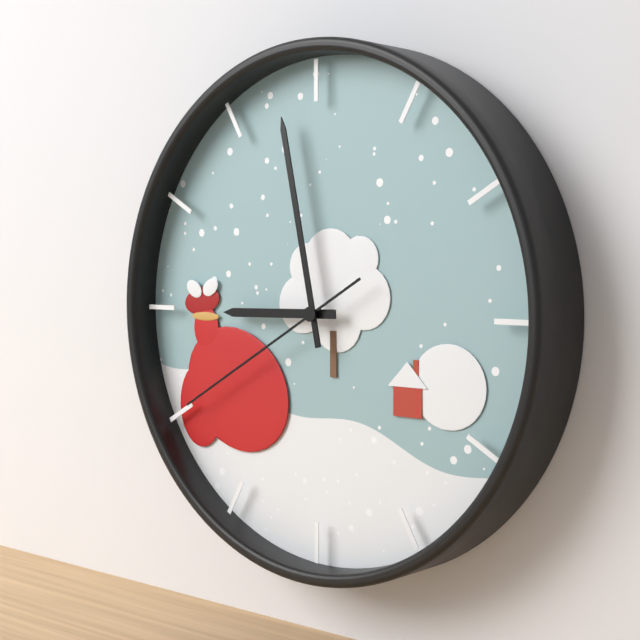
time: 8:58:40
